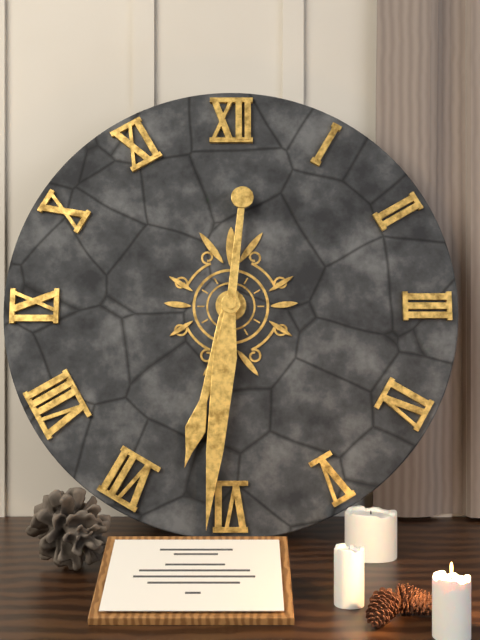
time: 6:31
